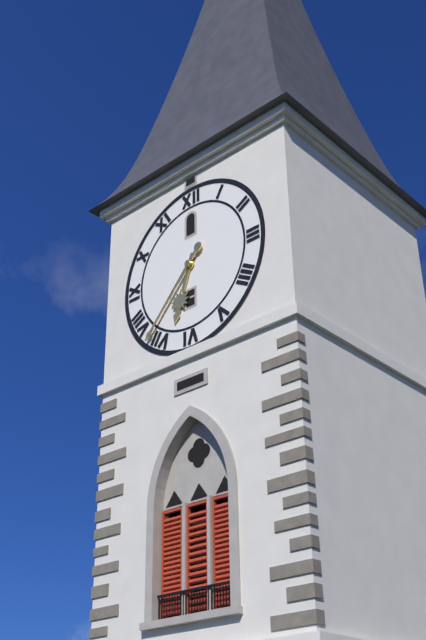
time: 6:37
